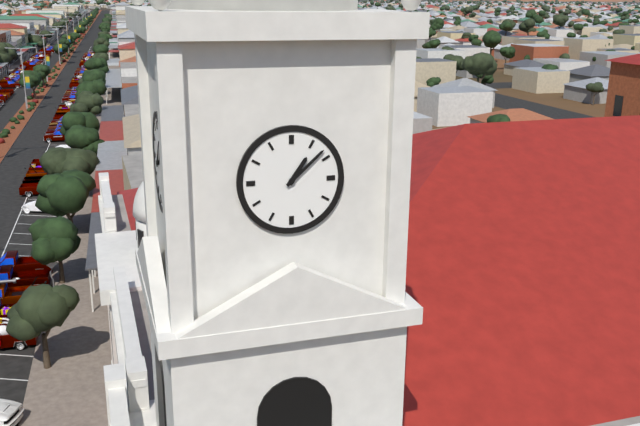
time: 1:08
